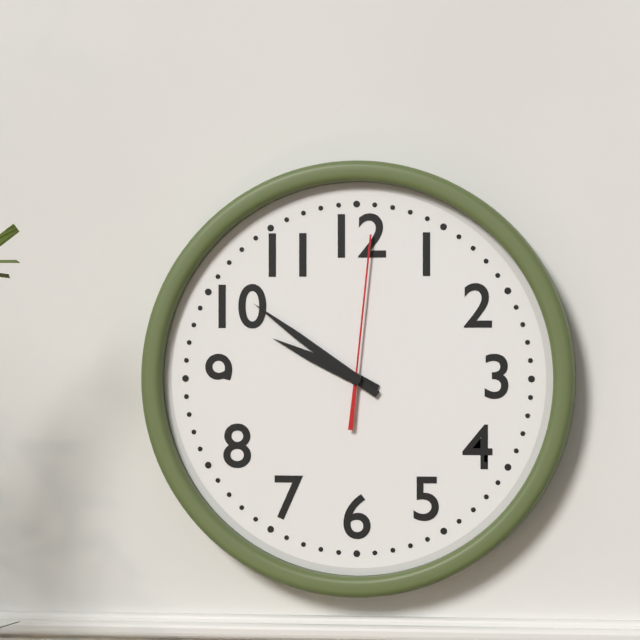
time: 9:51:01
